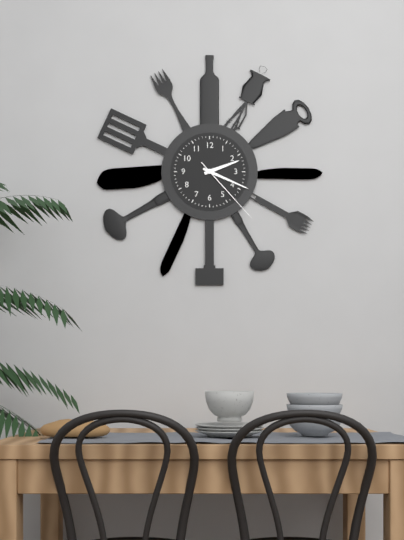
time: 2:19:23
